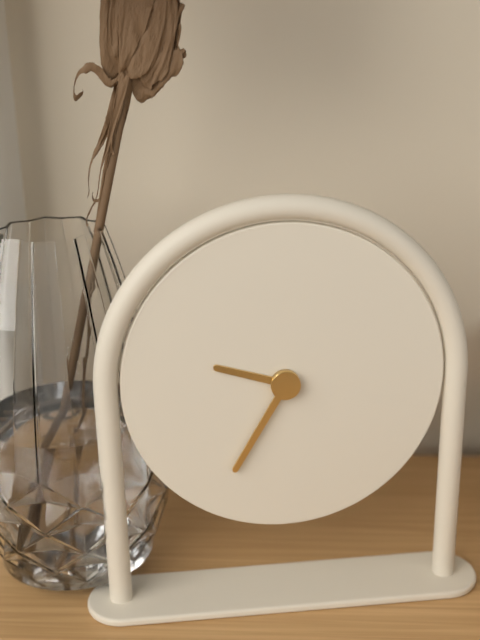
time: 9:35
